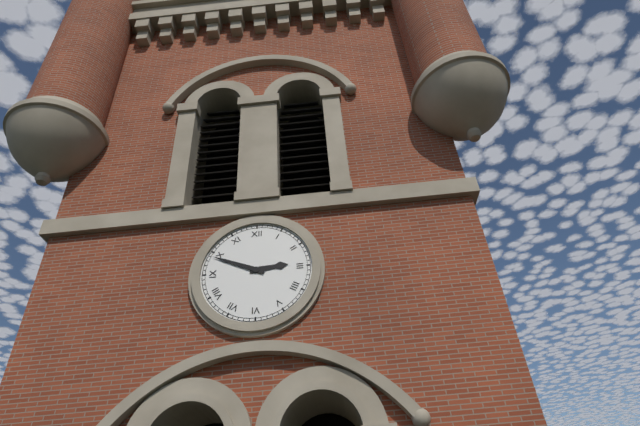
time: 2:49
